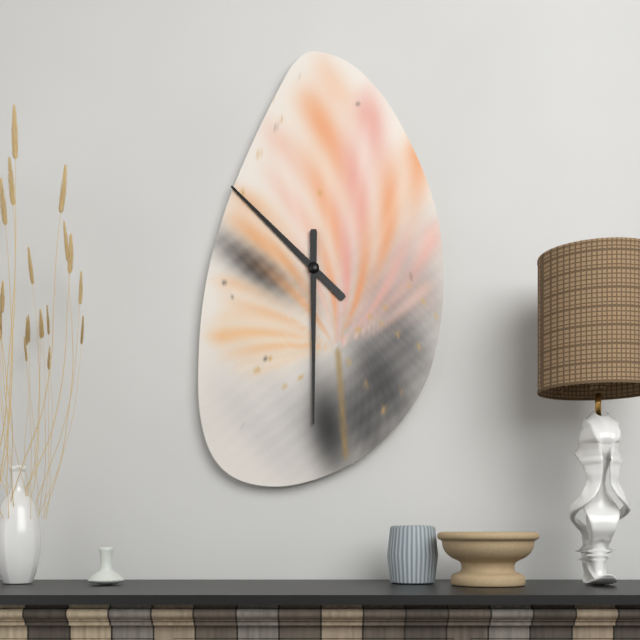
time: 10:30
